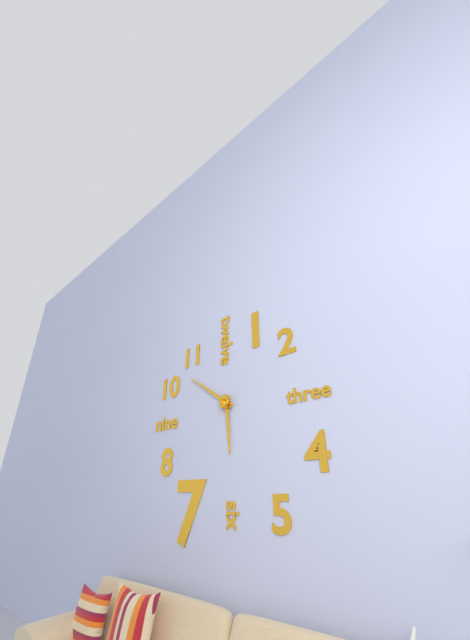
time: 5:51
